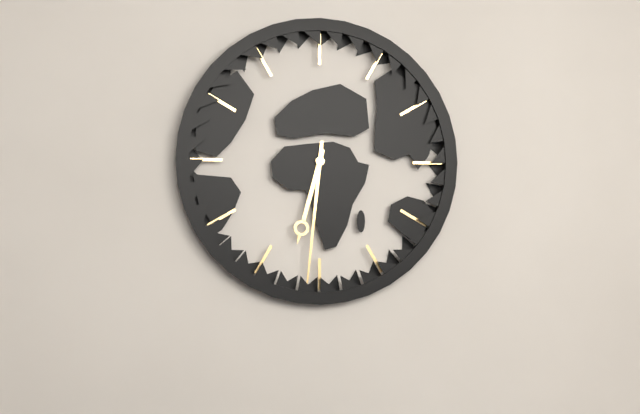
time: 6:31
